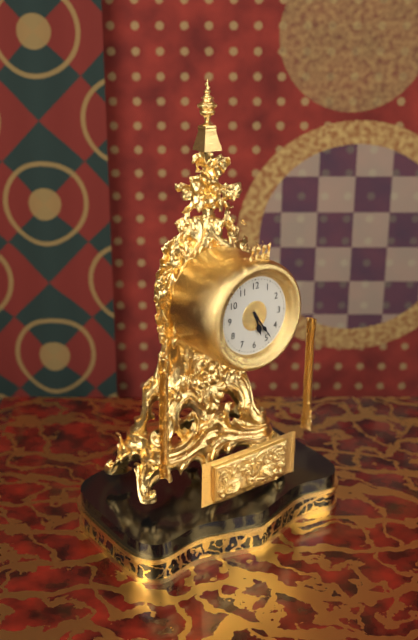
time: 5:24
